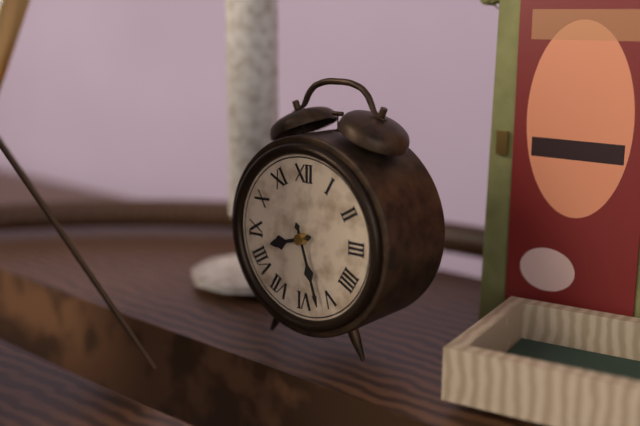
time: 8:27
